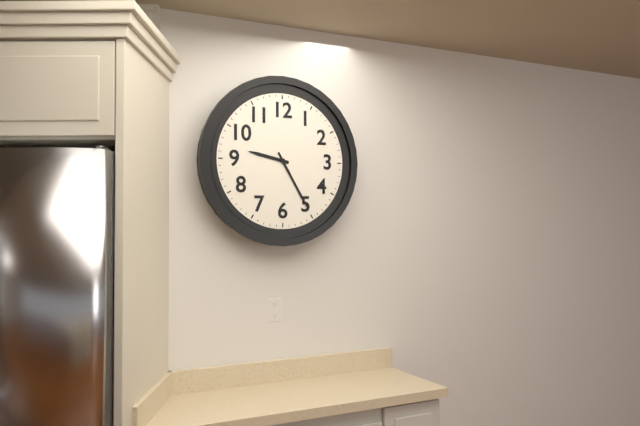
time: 9:25
